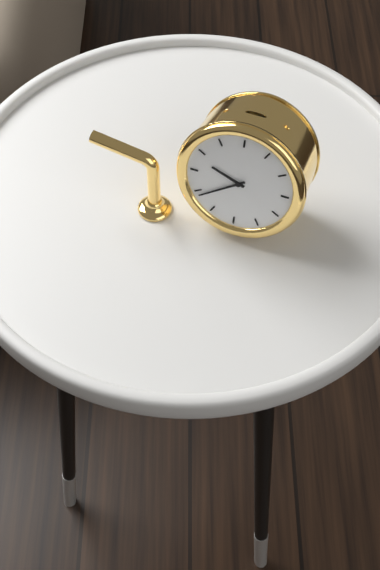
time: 9:39
